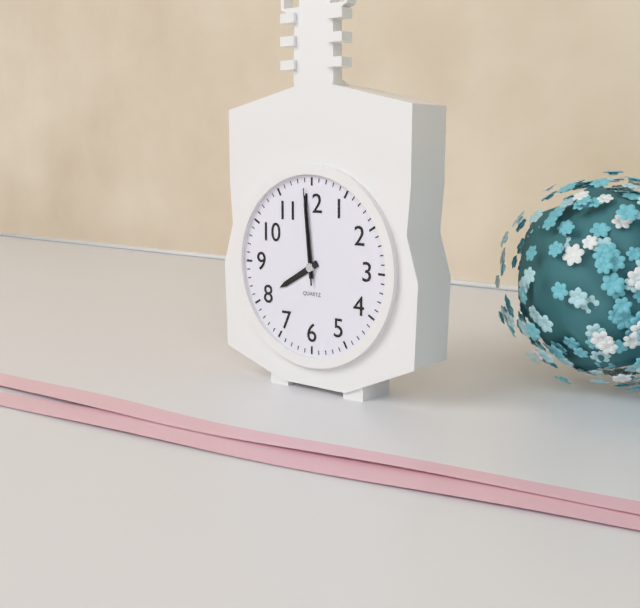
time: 7:59:59
